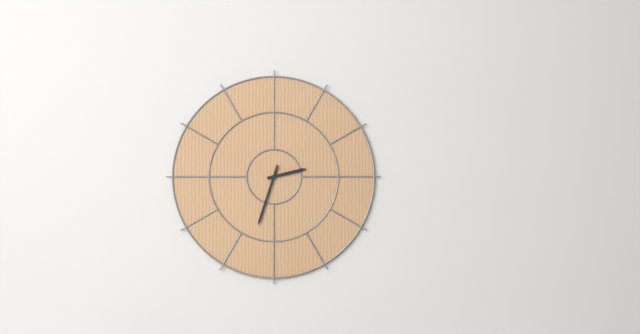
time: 2:33
